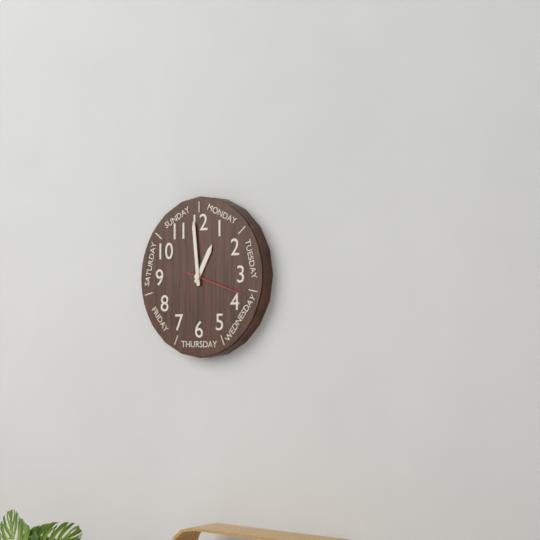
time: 12:59
